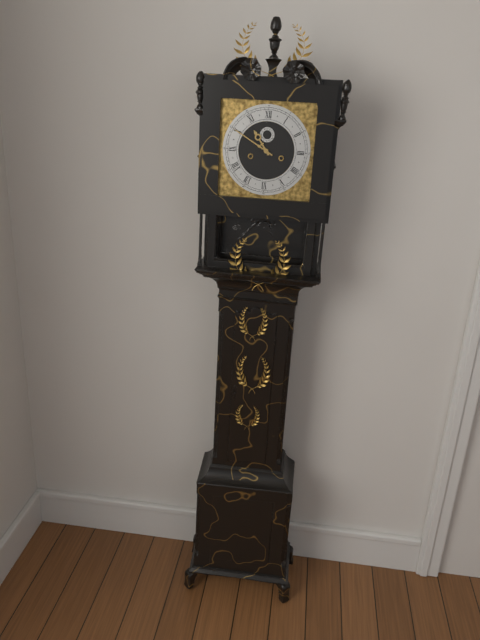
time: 10:50
